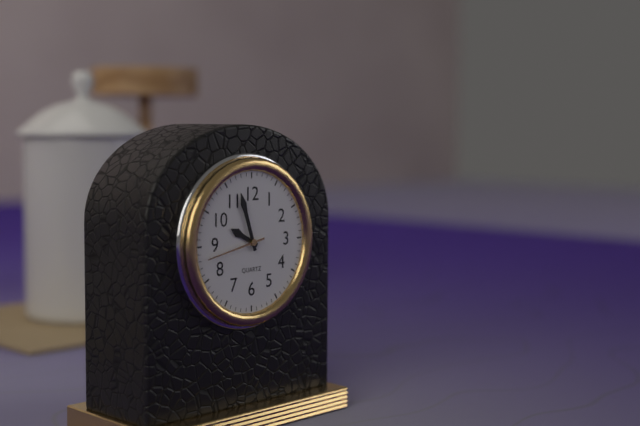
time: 9:57:43
